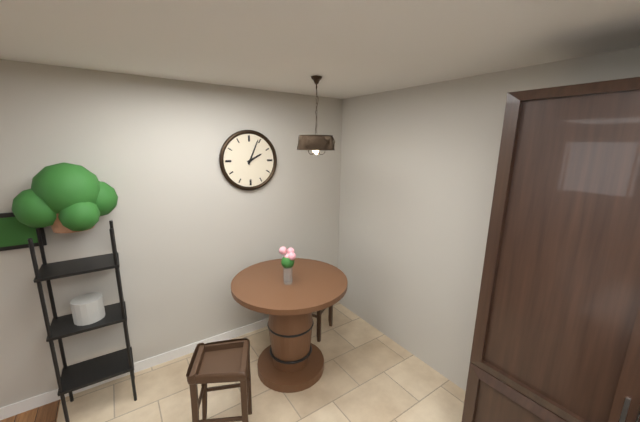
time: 2:04
